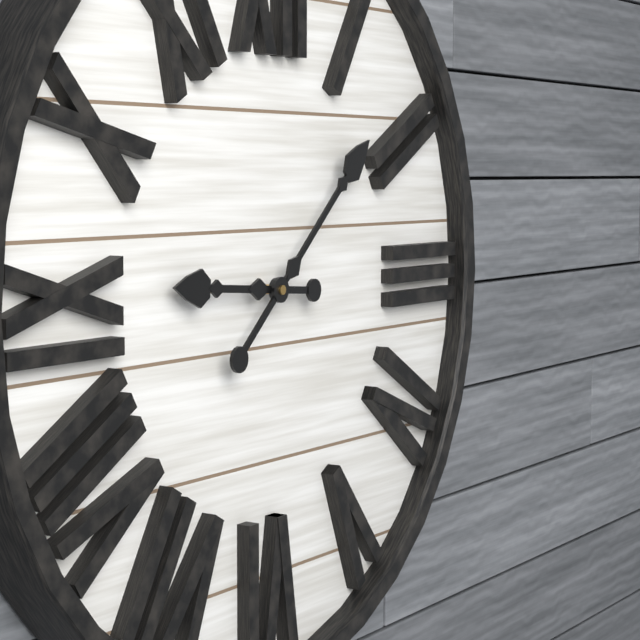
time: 9:08
